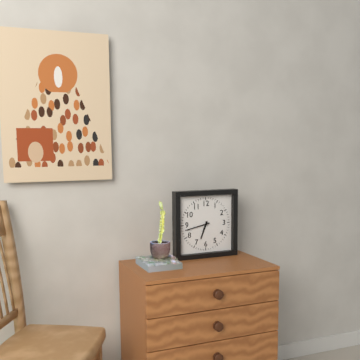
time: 6:43
